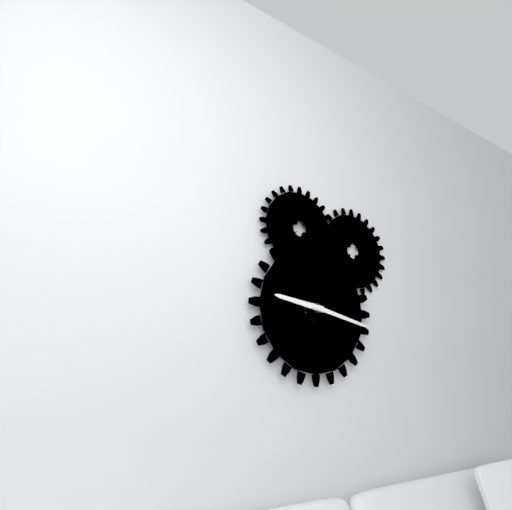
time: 9:17
